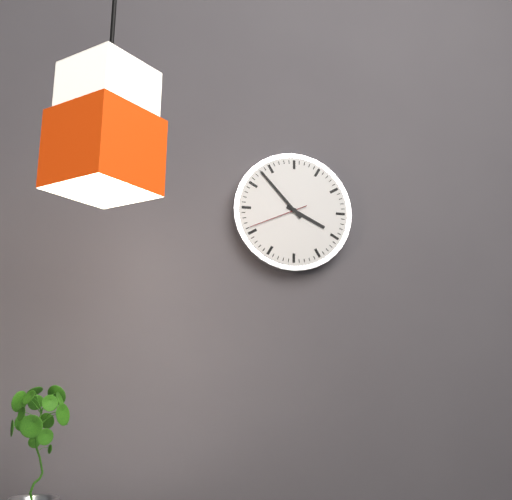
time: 3:53:41
